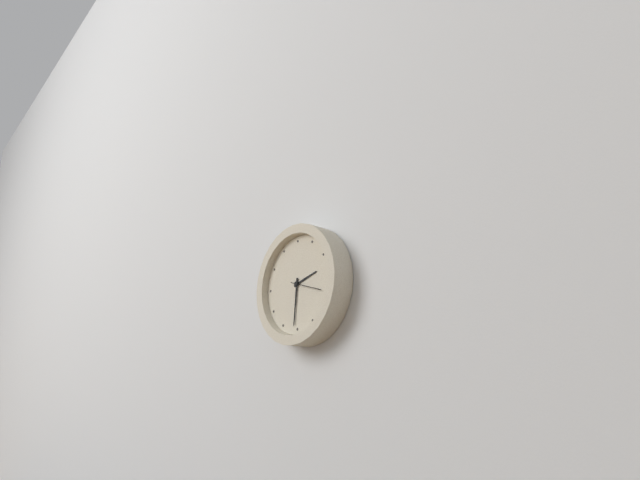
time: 2:31
